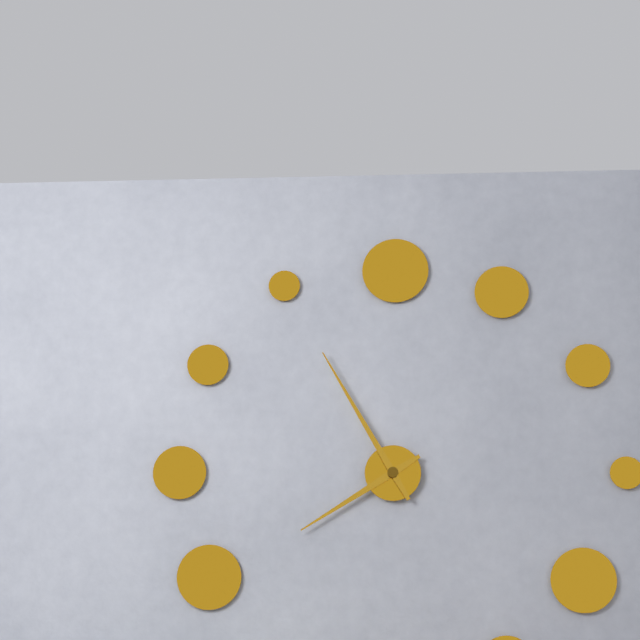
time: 7:55
